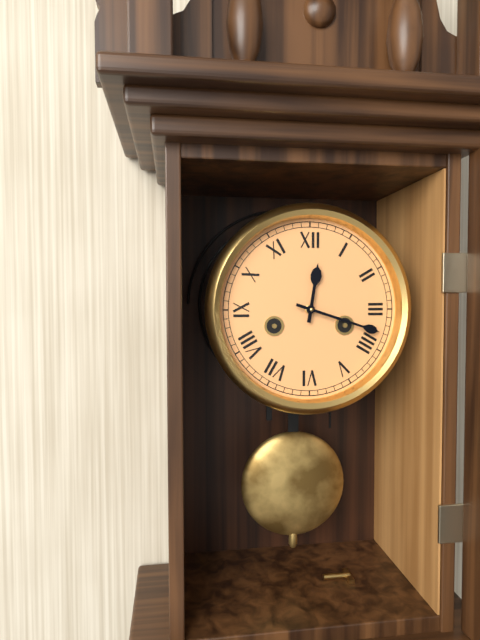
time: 12:18
